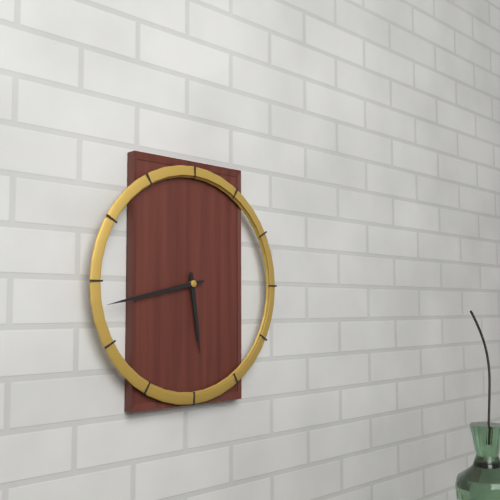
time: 5:43
